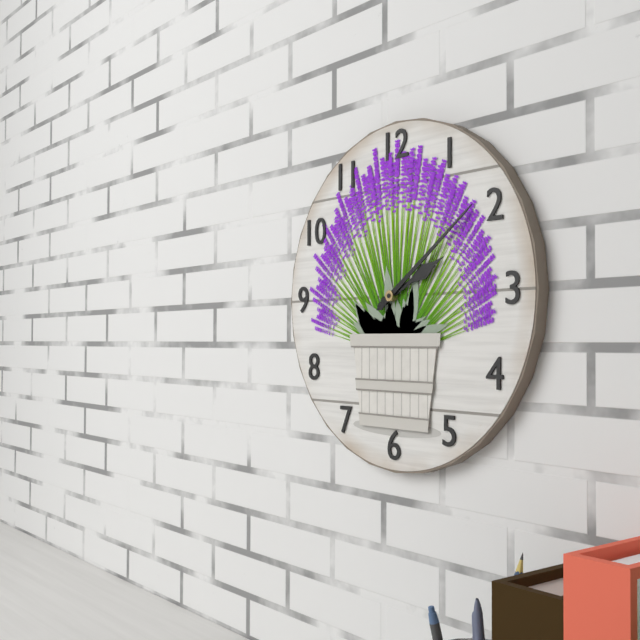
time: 2:09
